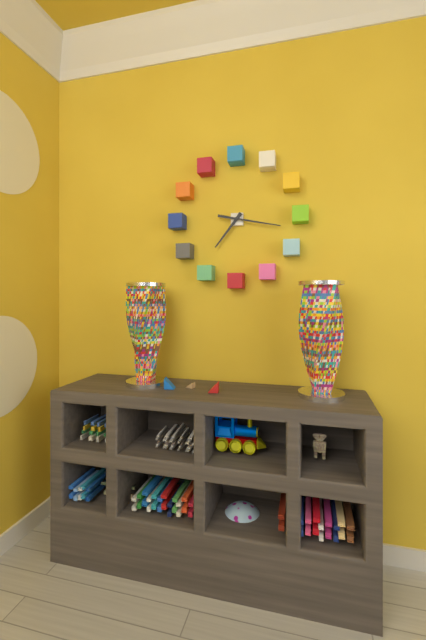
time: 7:17
